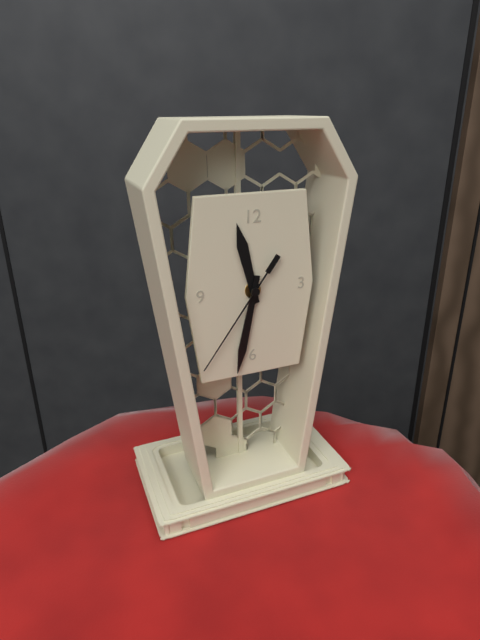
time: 11:32:36
